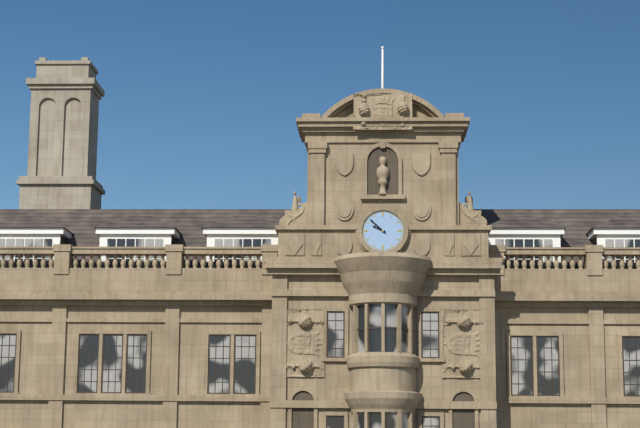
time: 9:52
